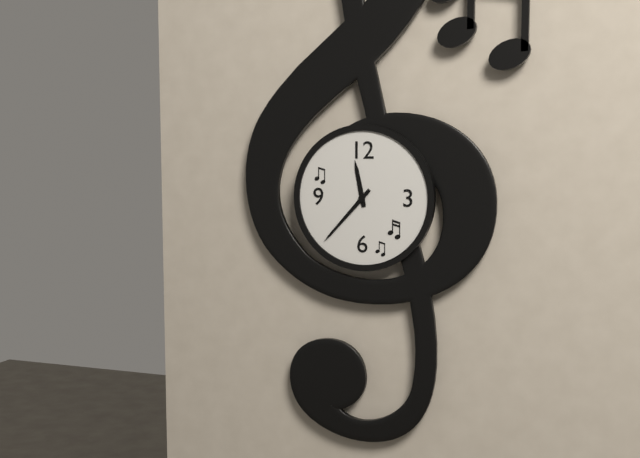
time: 11:37
